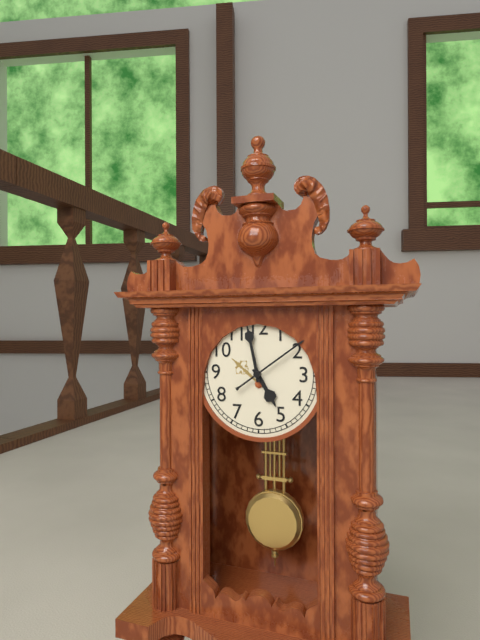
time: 4:58:09
